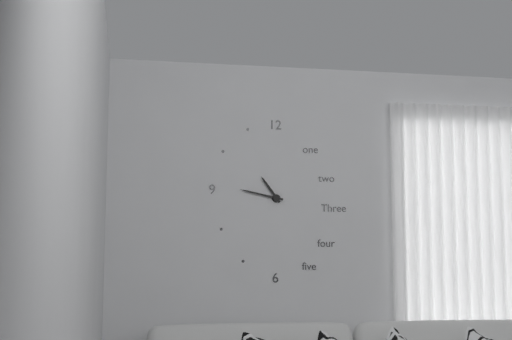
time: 10:47
